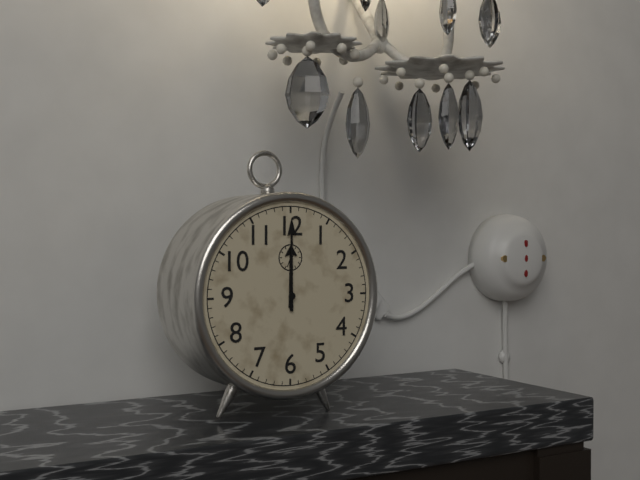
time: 12:00
